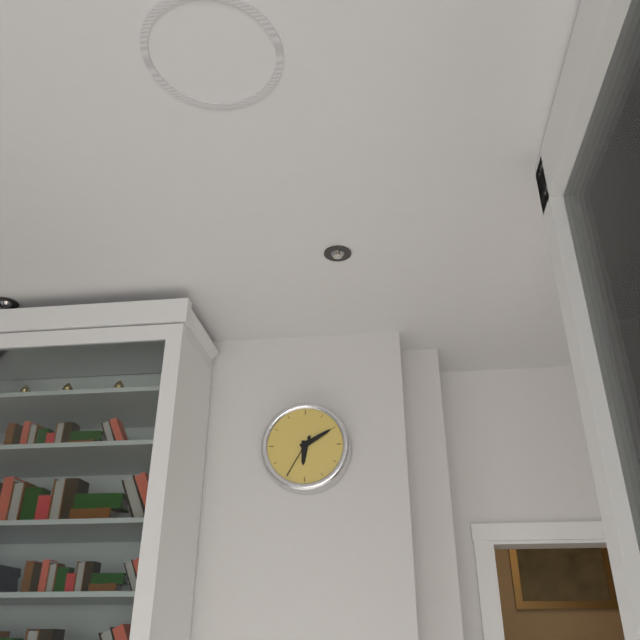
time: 6:10
